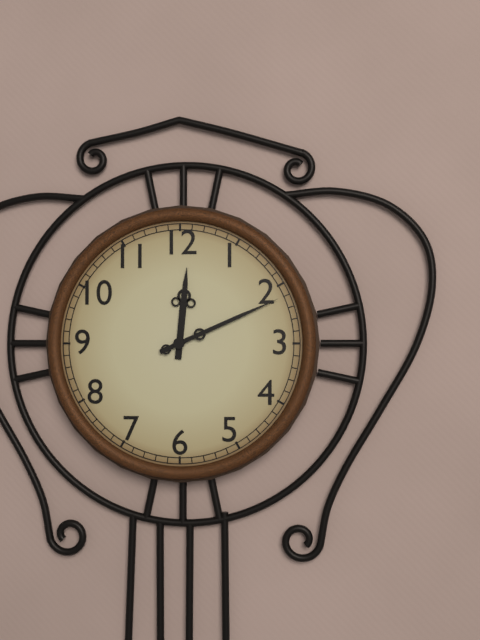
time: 12:11
